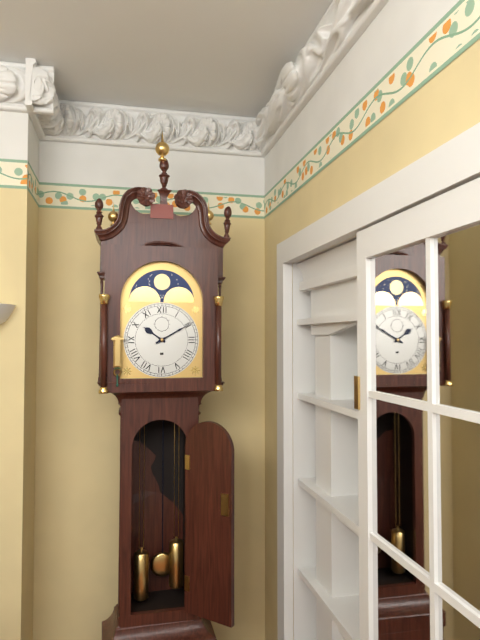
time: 10:10
